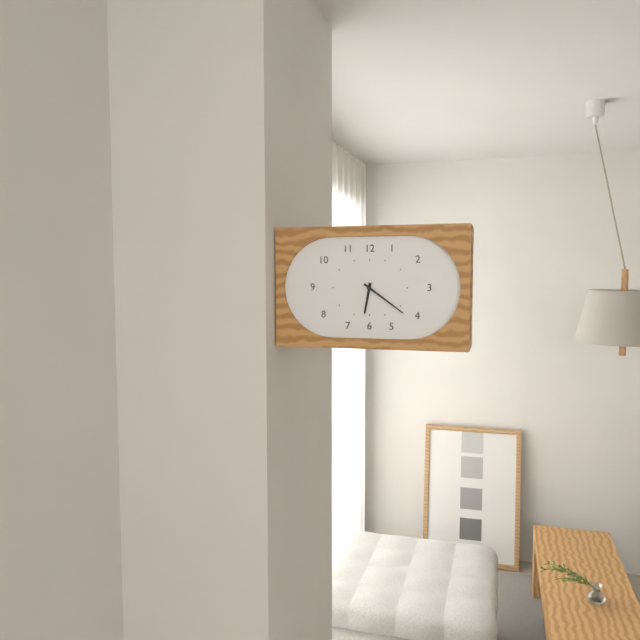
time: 6:21
